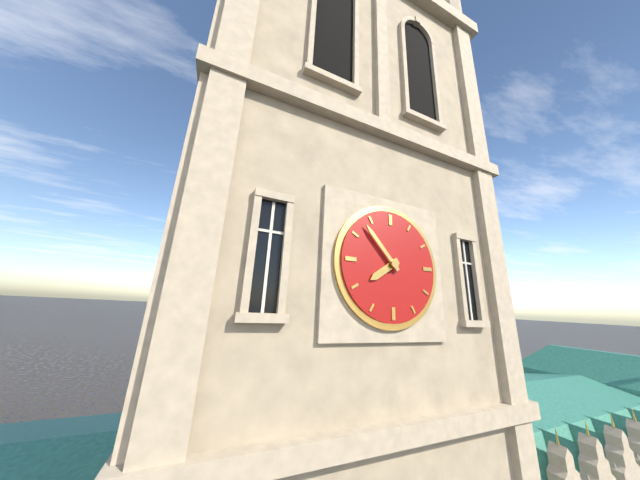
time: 7:53
